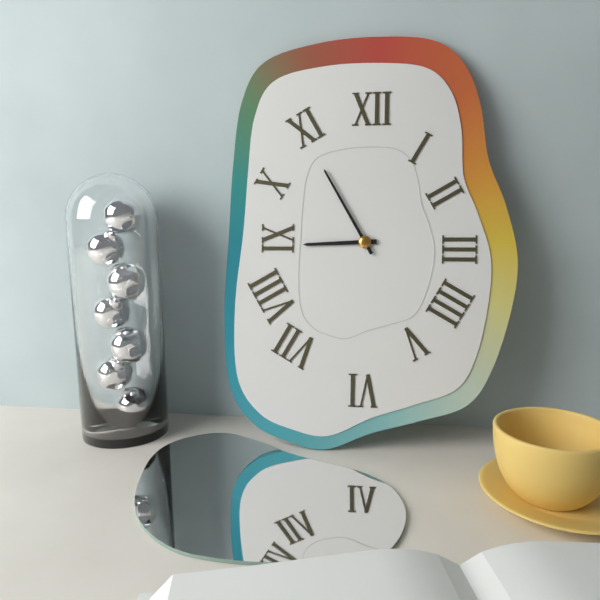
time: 8:55
